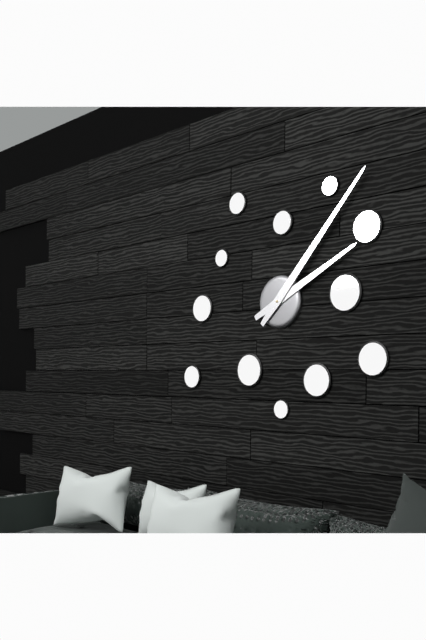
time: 2:07
